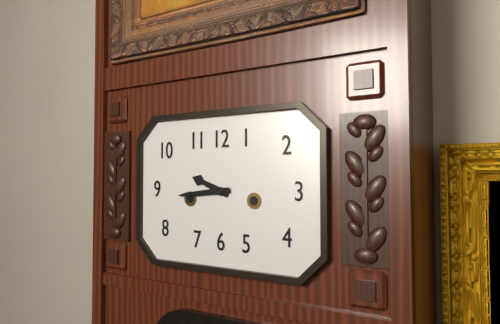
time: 9:44
